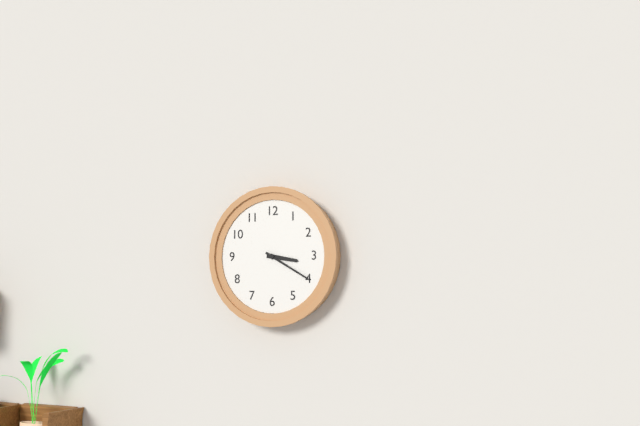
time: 3:20
